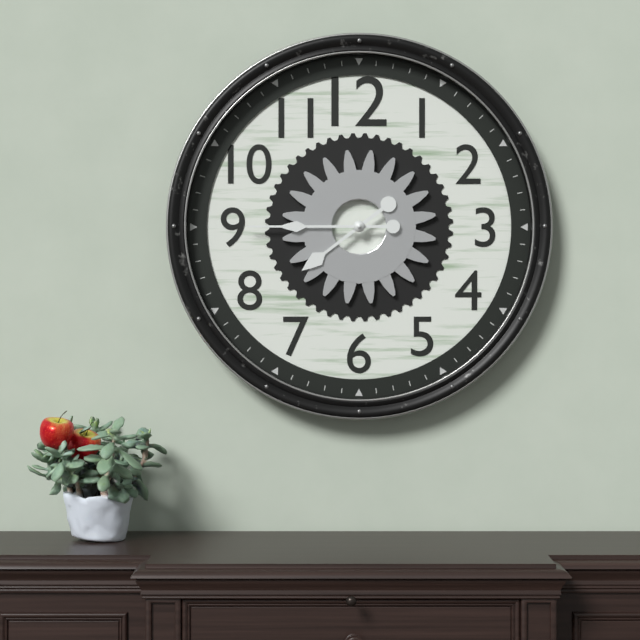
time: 7:45
